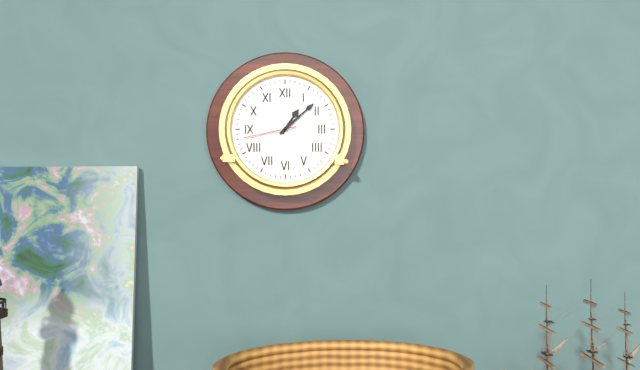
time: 1:08:43
